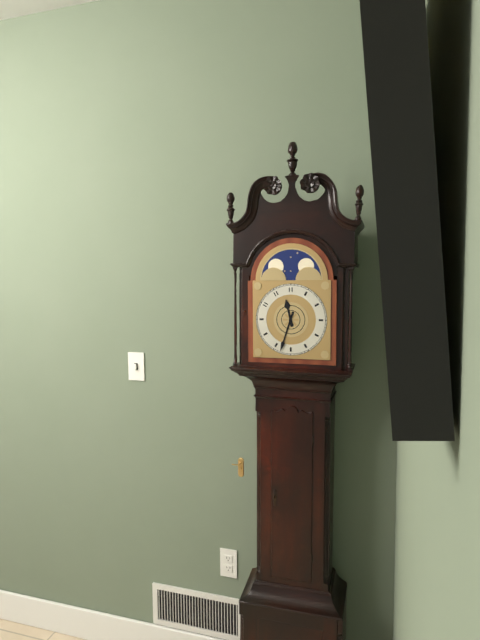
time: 11:33
